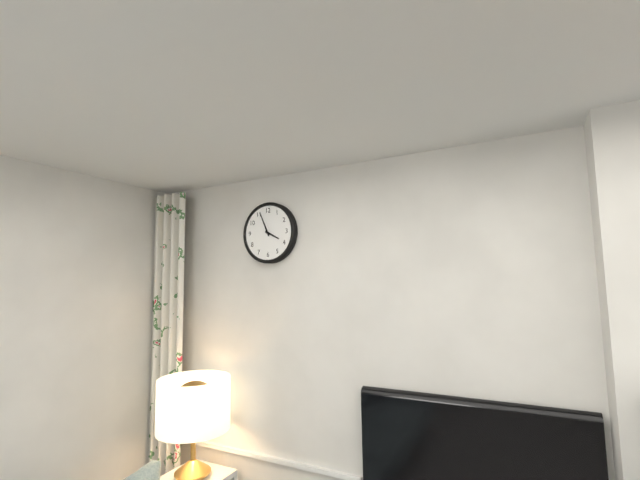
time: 3:56
